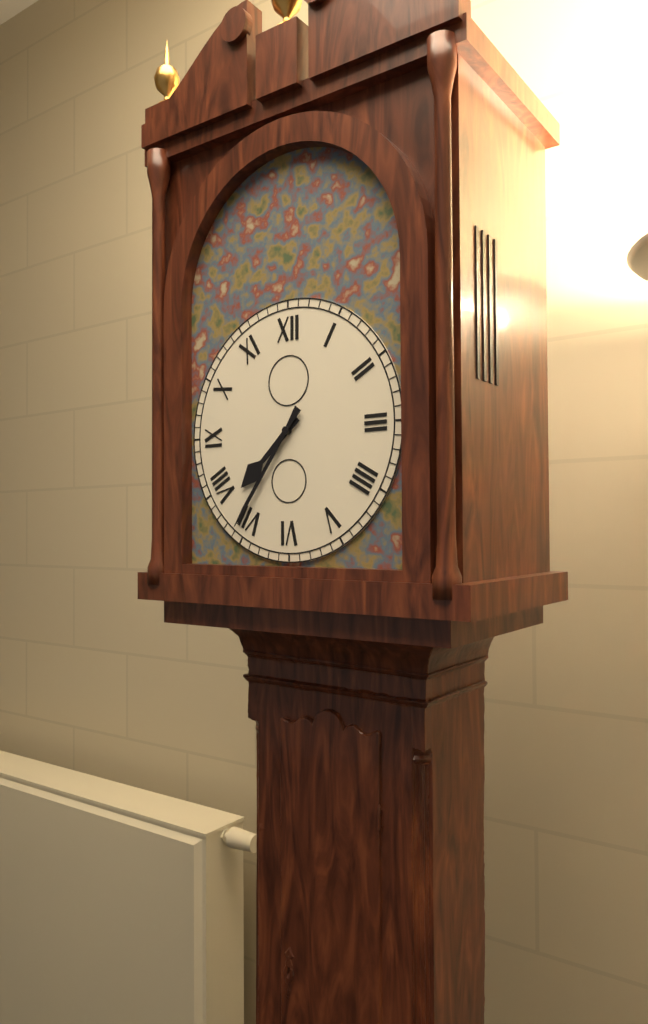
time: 7:36
